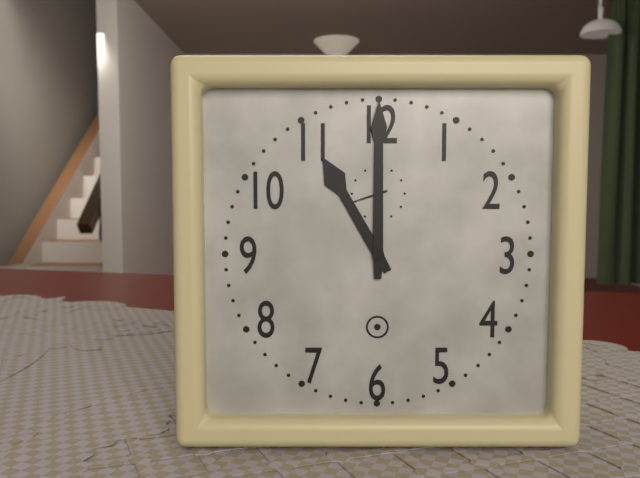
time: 11:00
